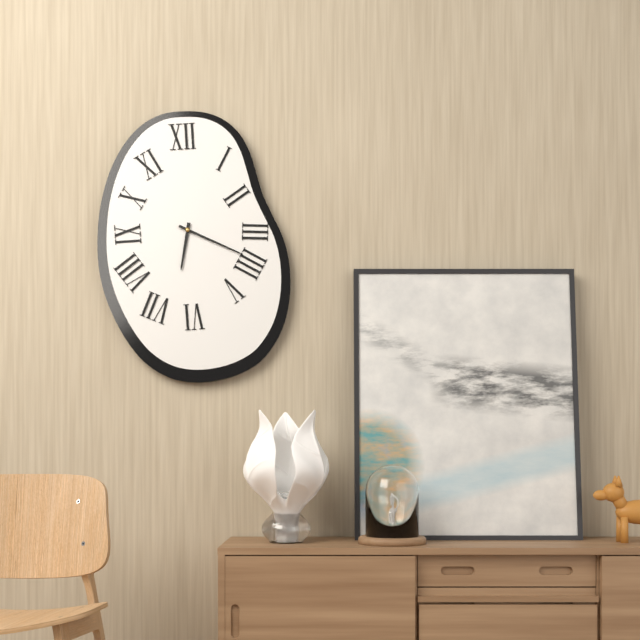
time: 6:19
